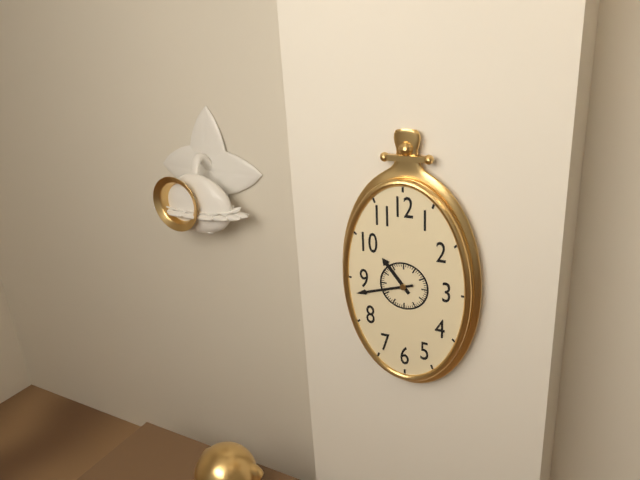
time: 10:42
